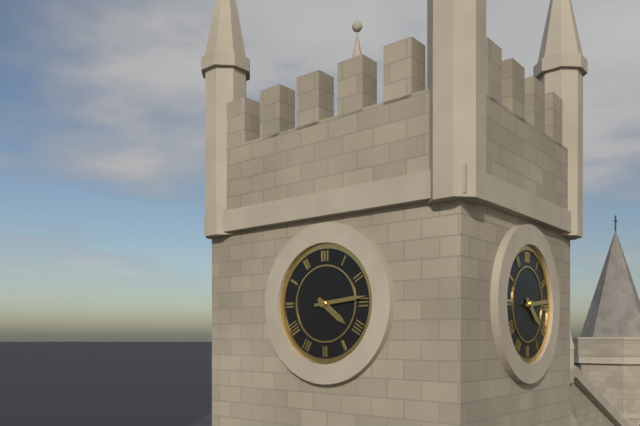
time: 4:14
